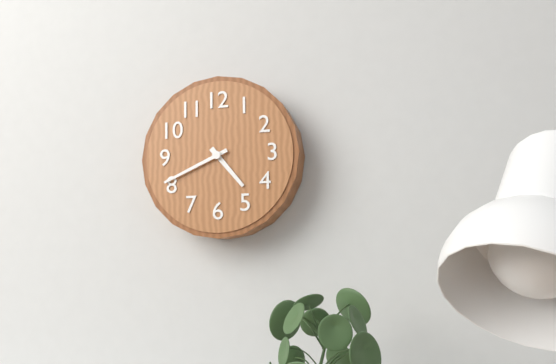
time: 4:41
